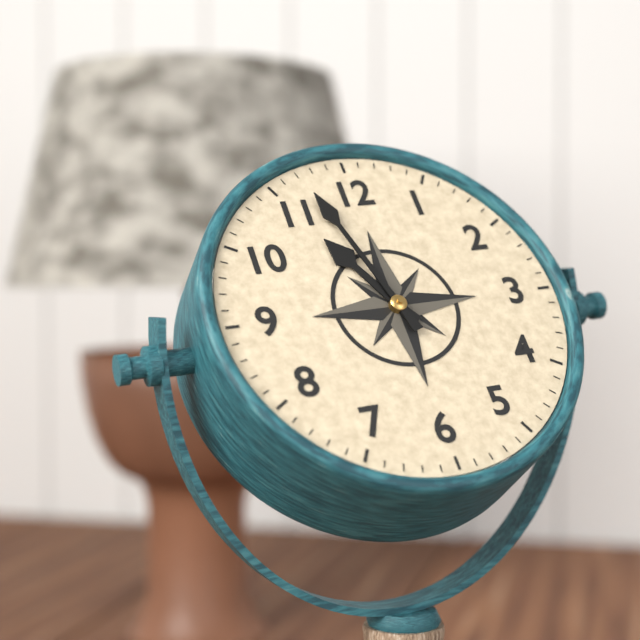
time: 10:57
